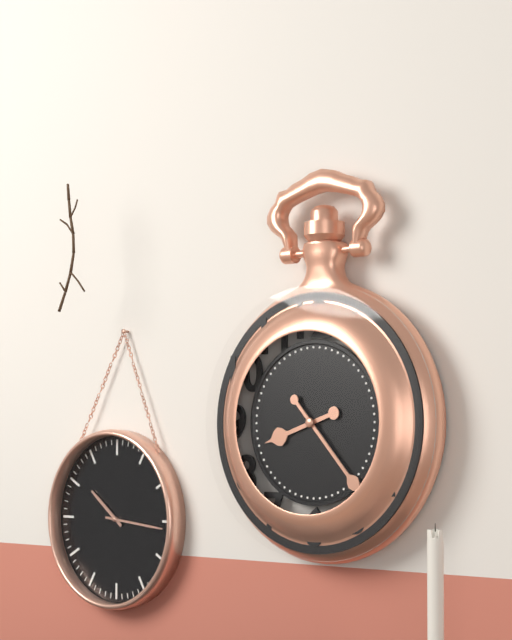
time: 8:23
